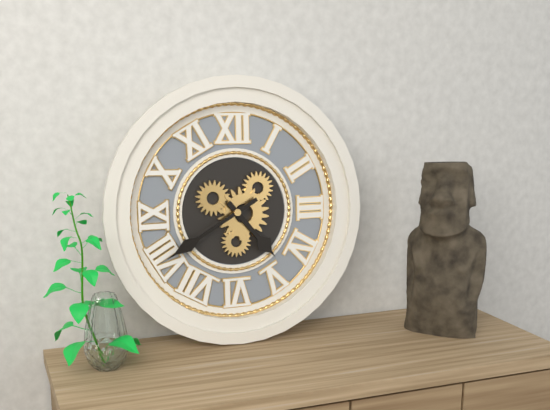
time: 4:40
